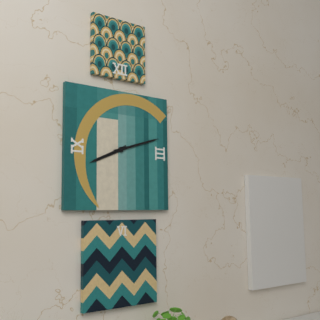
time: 8:12
